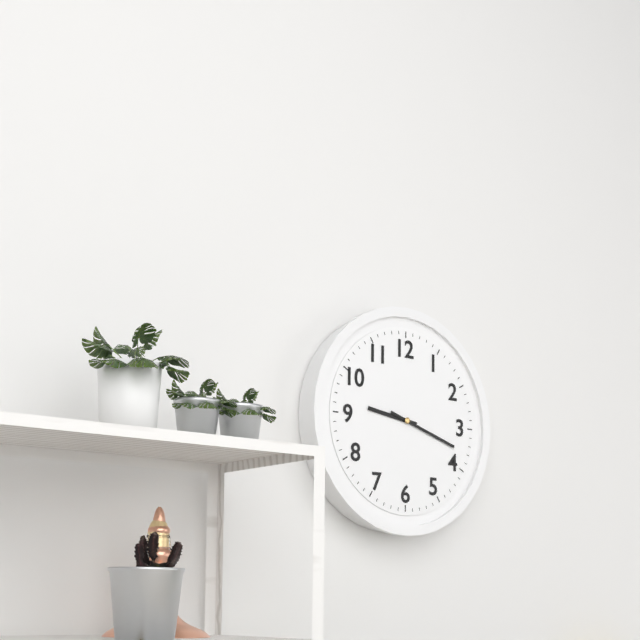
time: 9:18
